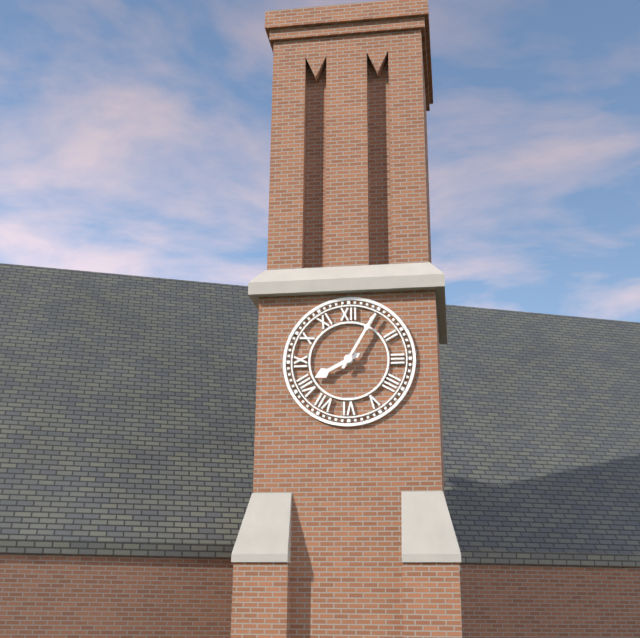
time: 8:05
